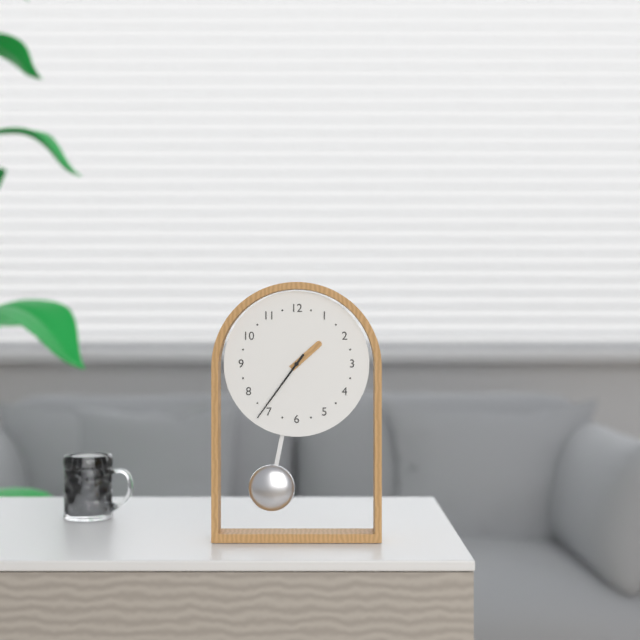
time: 1:36
